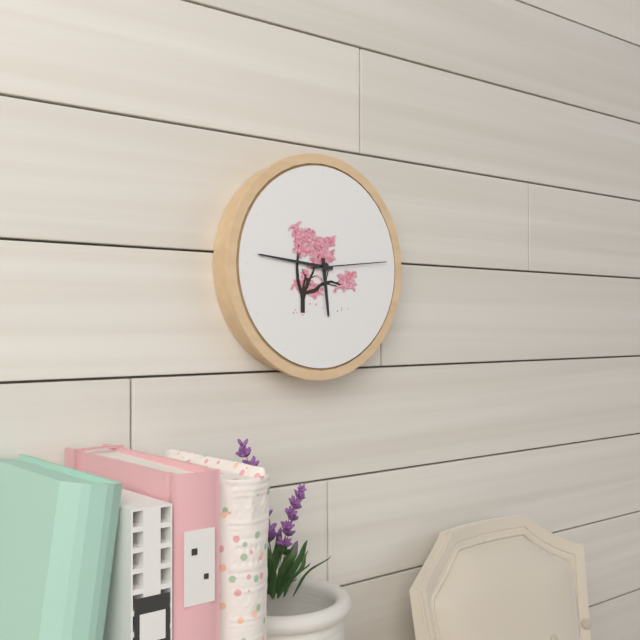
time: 5:46:14
